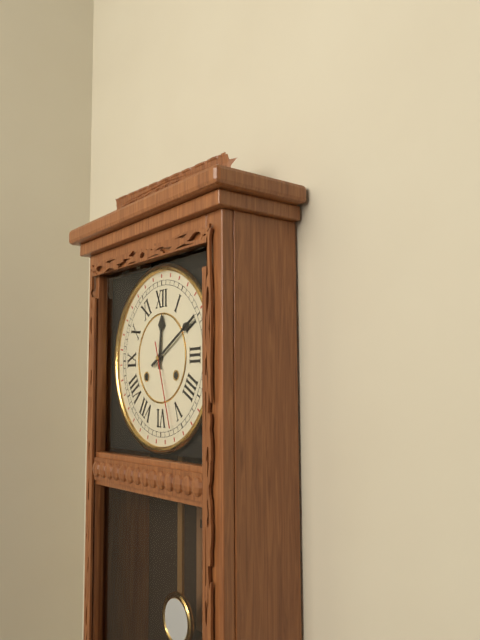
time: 12:10:27
